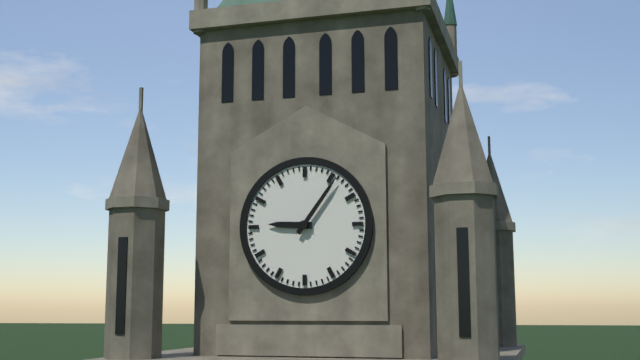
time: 9:06
